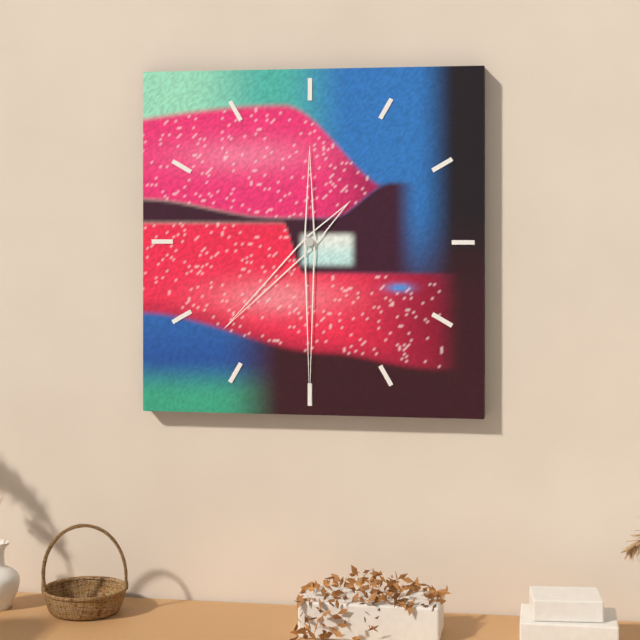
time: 7:30
